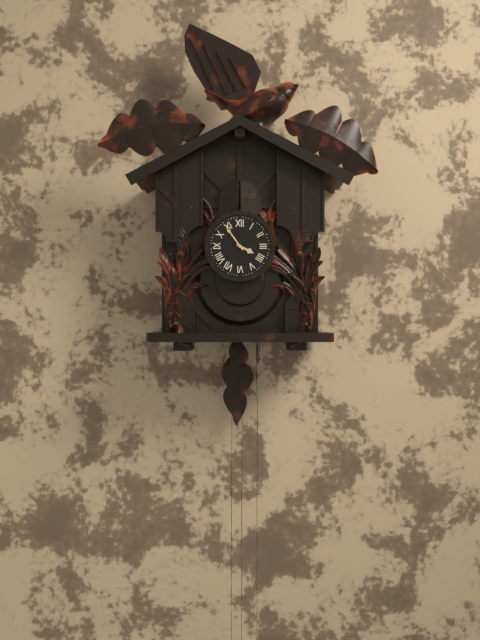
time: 3:54
